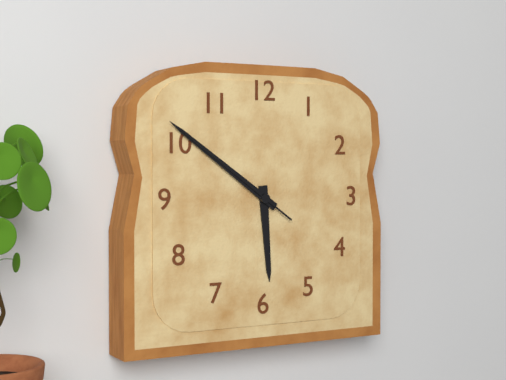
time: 5:51:51
